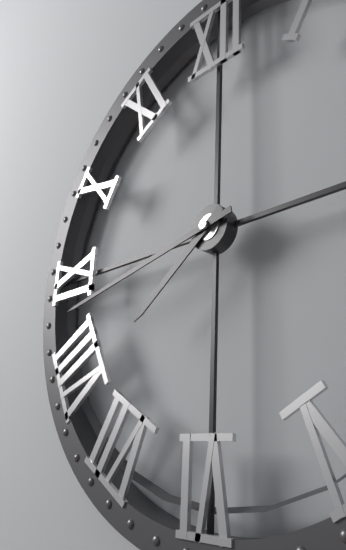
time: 7:43
